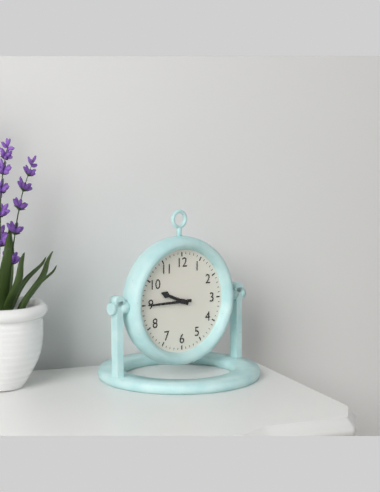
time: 9:45
